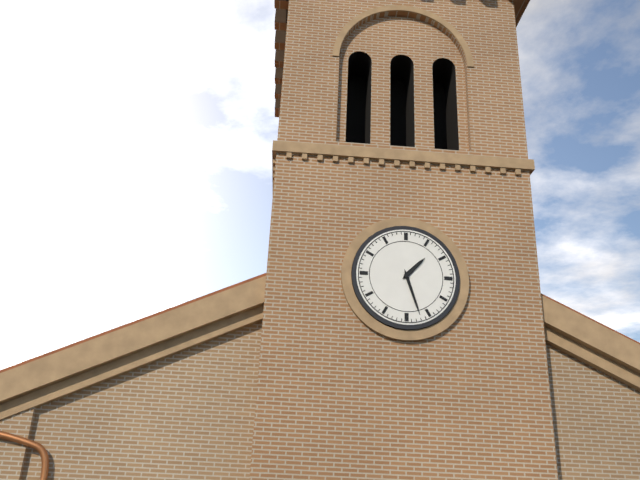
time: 1:27
